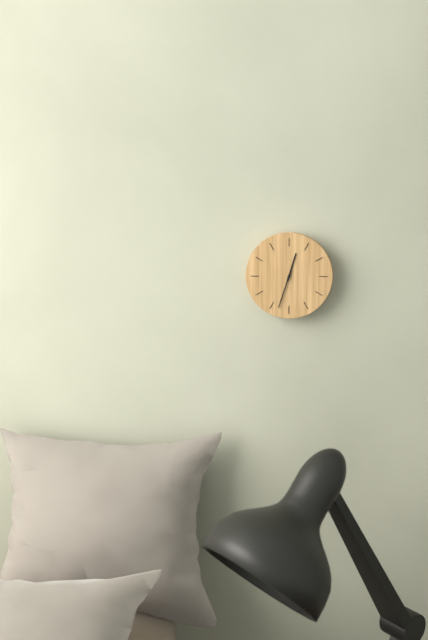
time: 12:33
